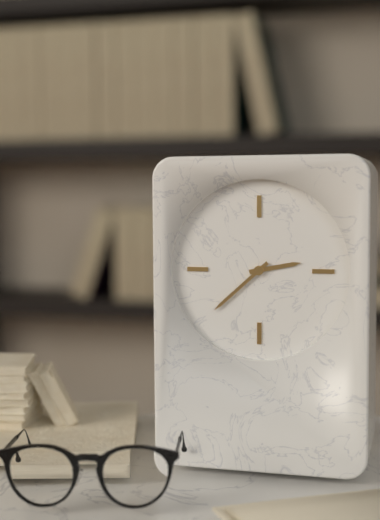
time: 2:38
